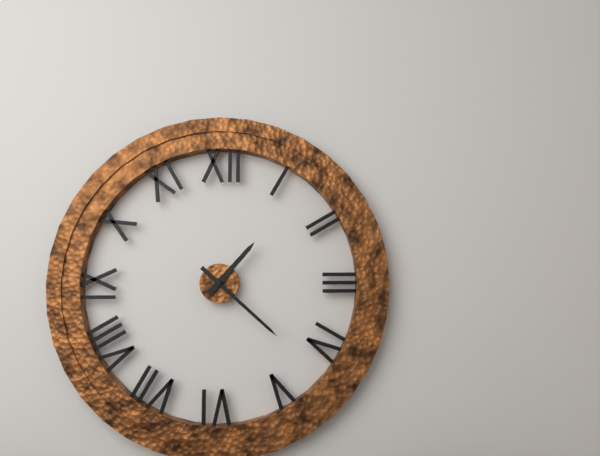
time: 1:22
